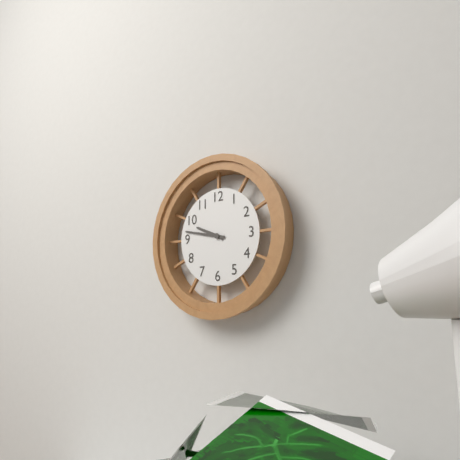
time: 9:47
